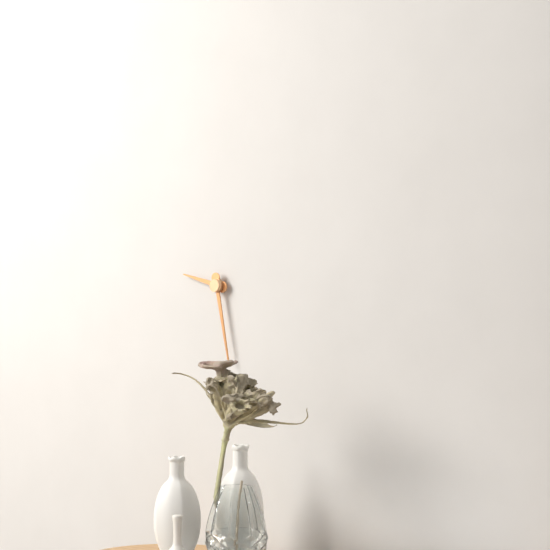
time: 9:28
